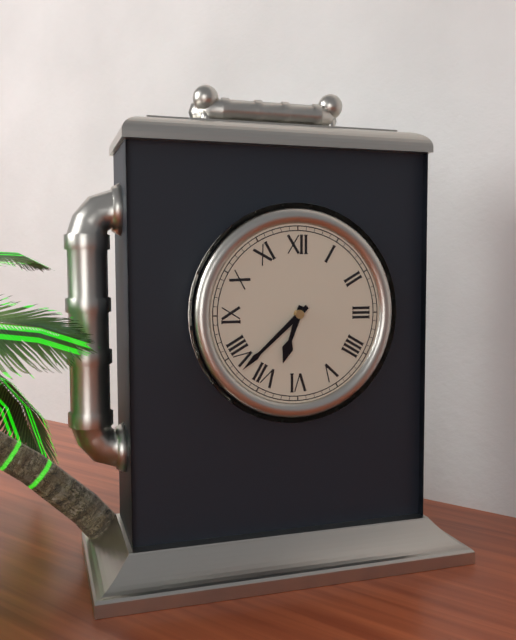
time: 6:38
